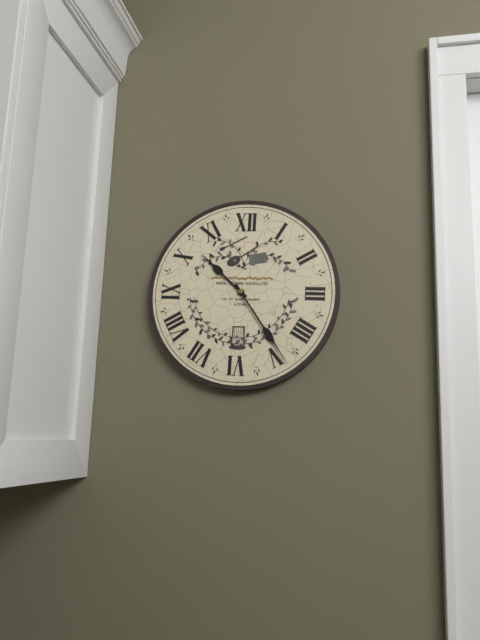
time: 10:24
